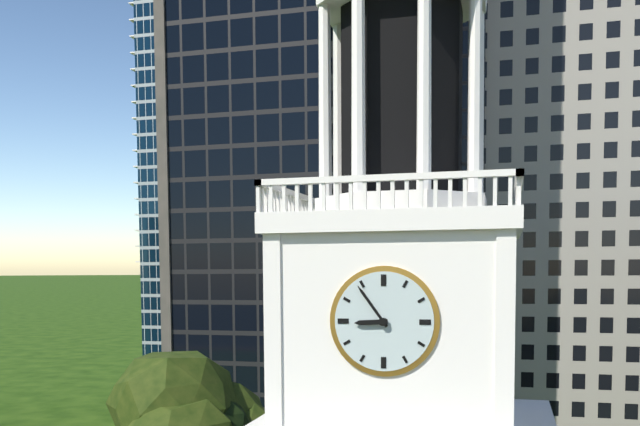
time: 8:54
